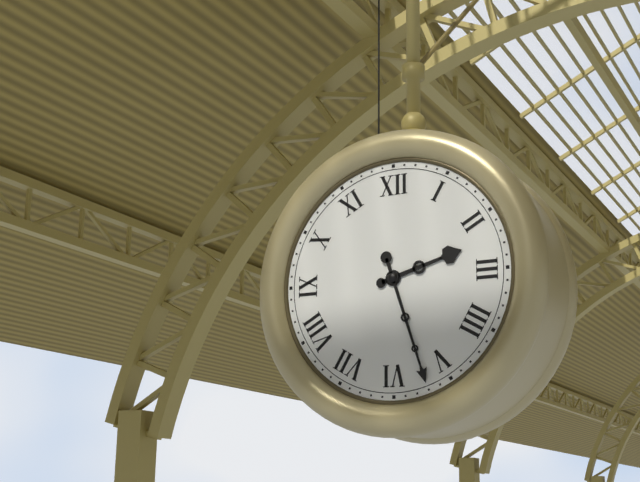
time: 2:27
